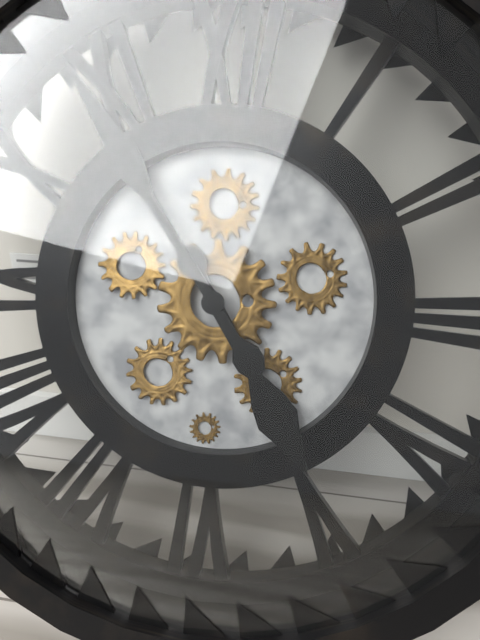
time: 4:54
